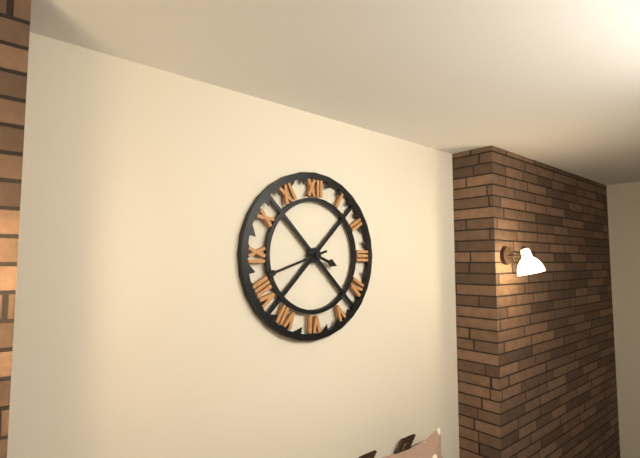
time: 3:42
